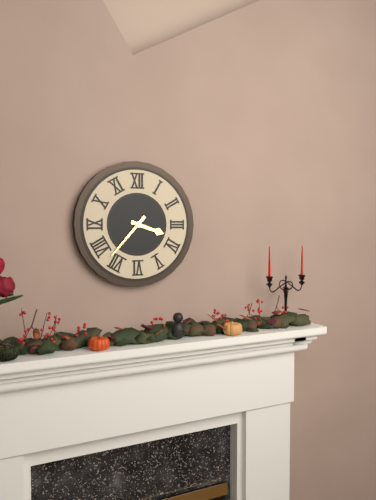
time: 3:37
